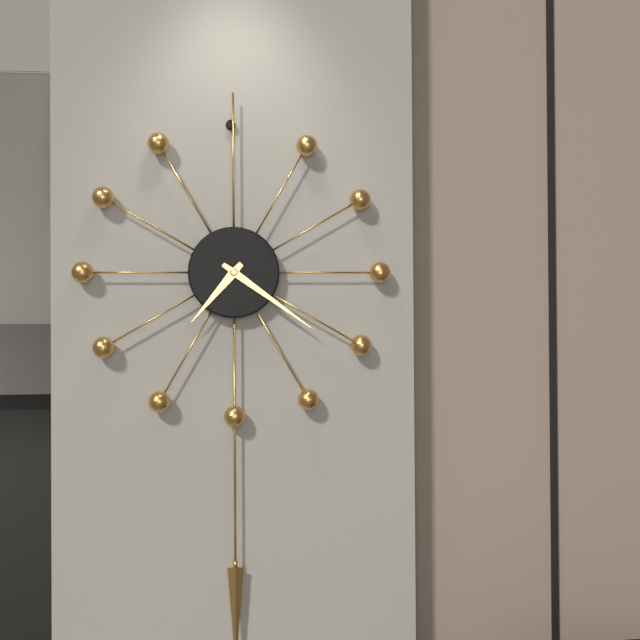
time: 7:21
